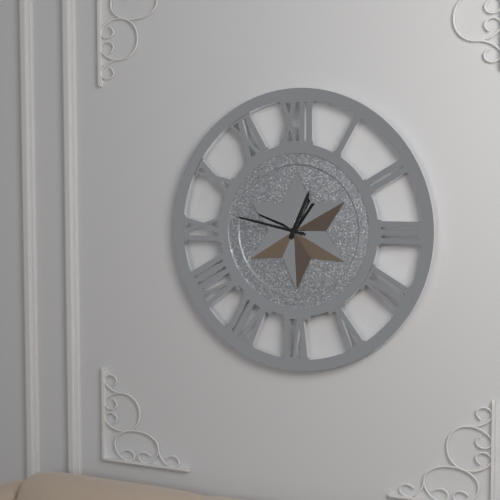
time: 12:47
